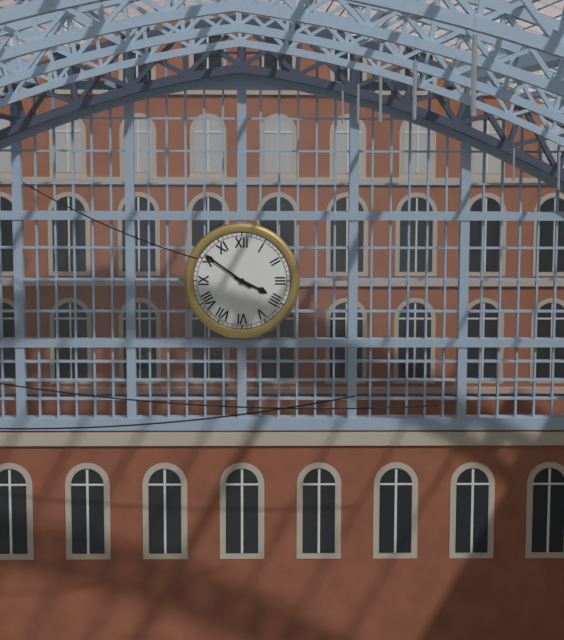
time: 3:51
